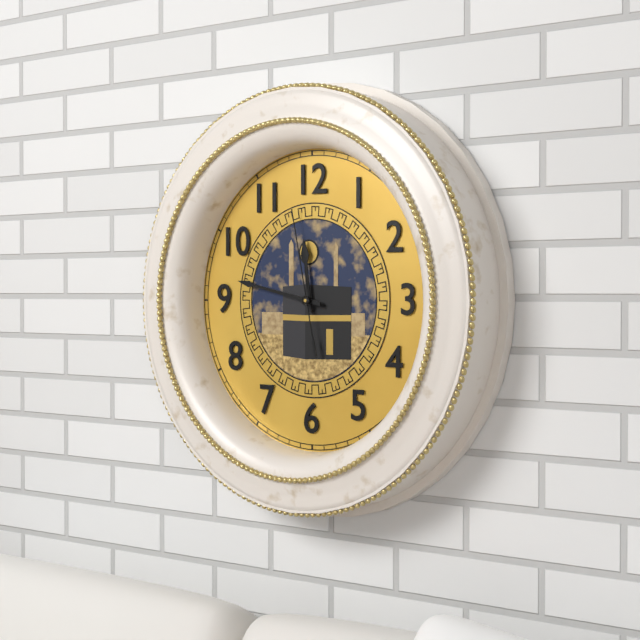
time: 11:47:58
